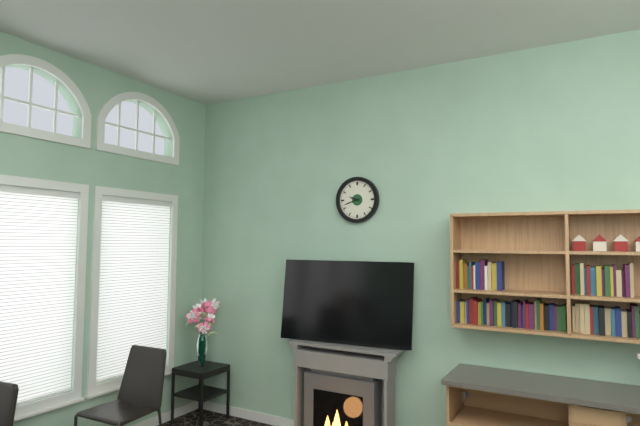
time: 9:42
